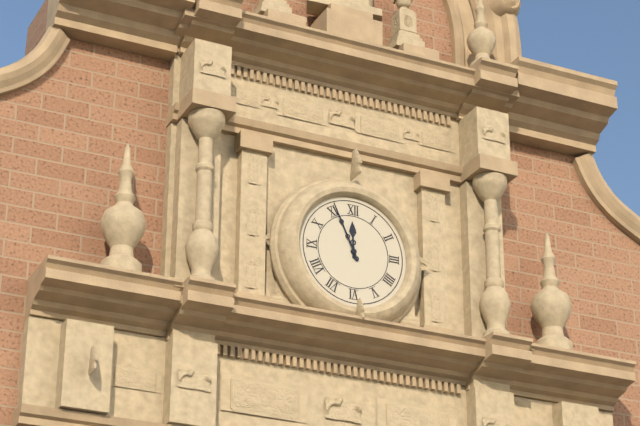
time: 11:56
